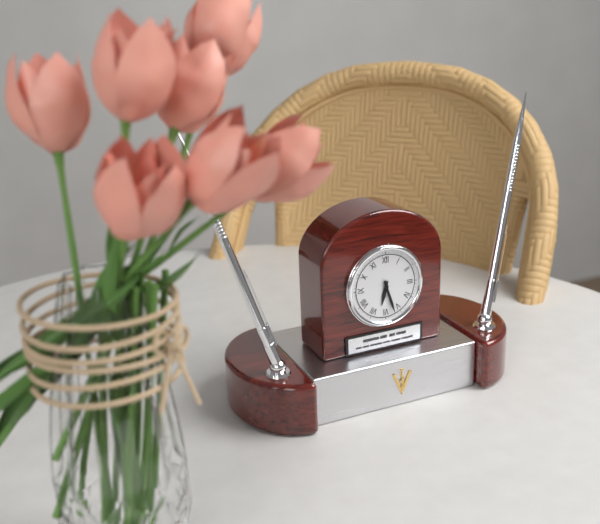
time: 6:27
